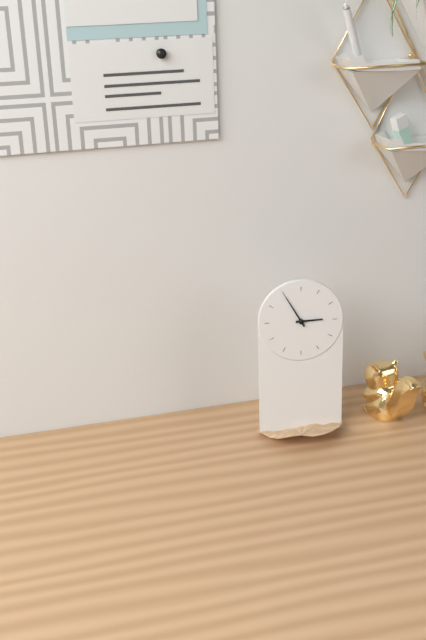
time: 2:55
